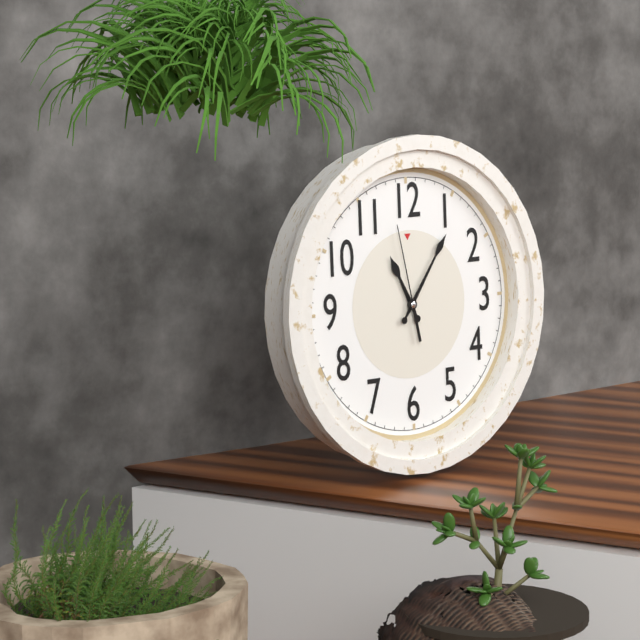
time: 11:06:58
